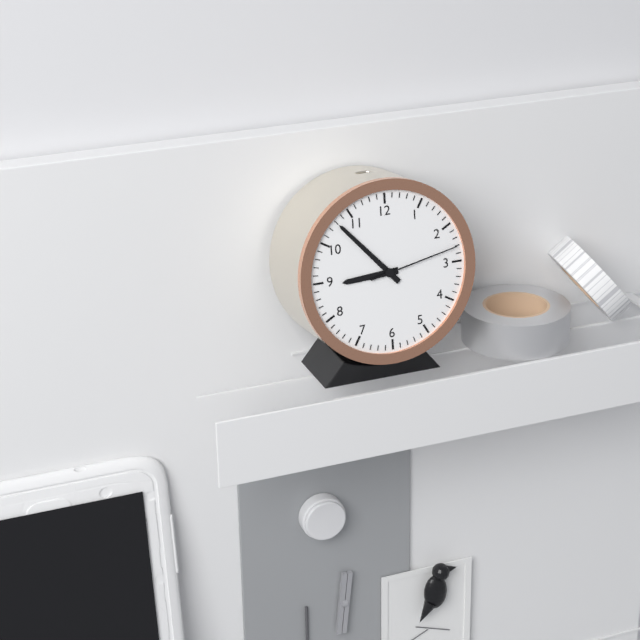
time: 8:53:13
